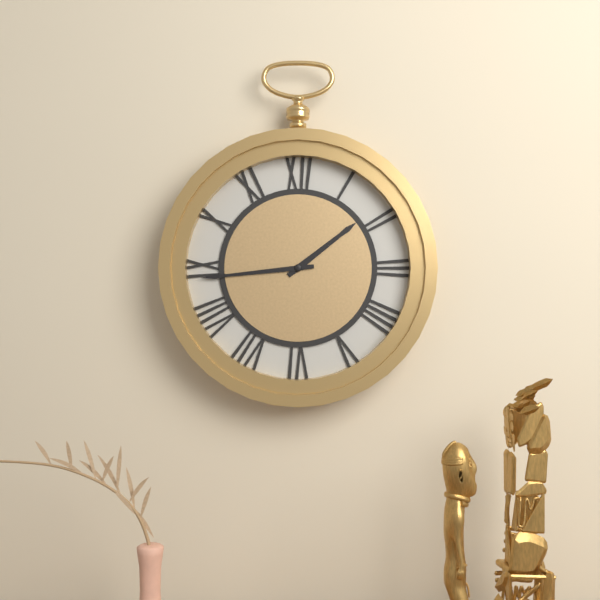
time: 1:44
